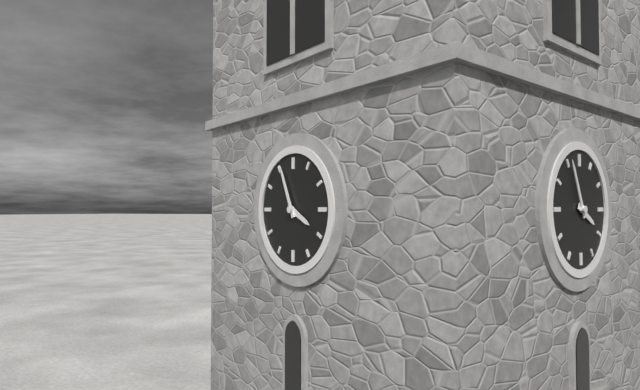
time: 3:56
